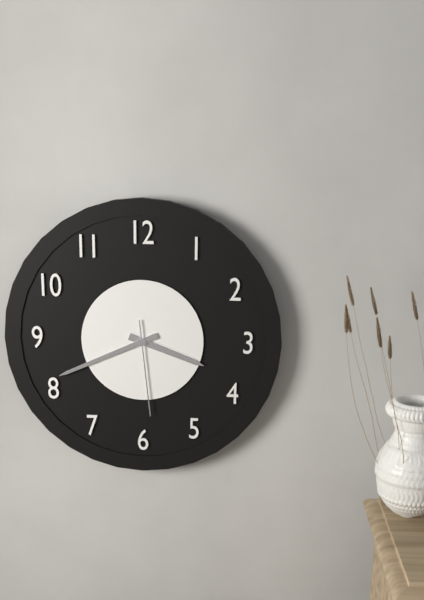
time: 3:41:29
